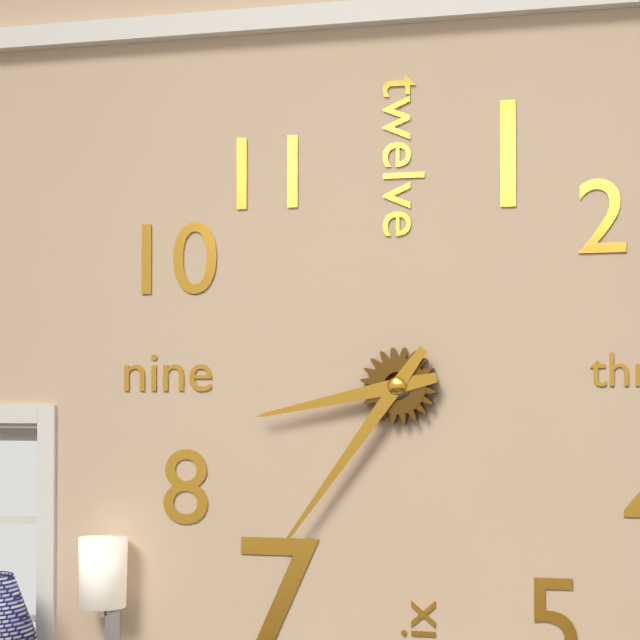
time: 8:36
